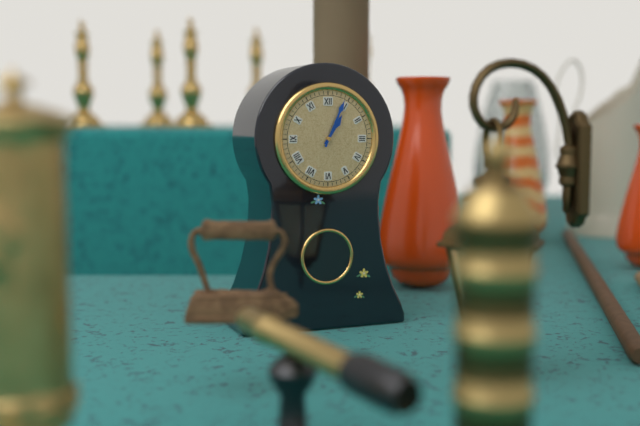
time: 1:04
